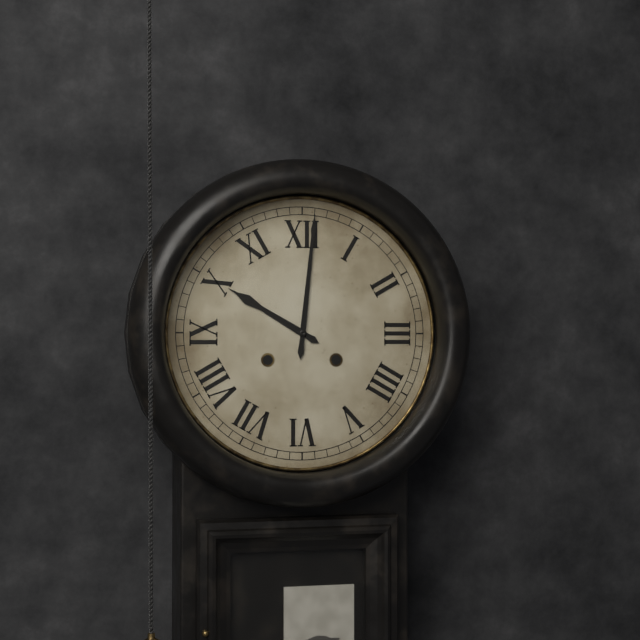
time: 10:01
